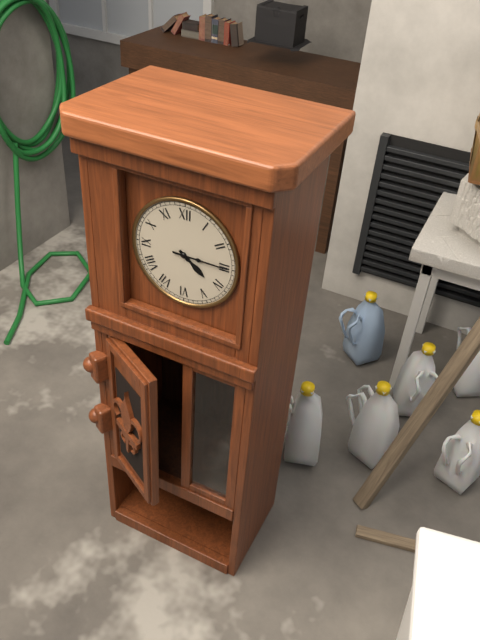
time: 4:15
